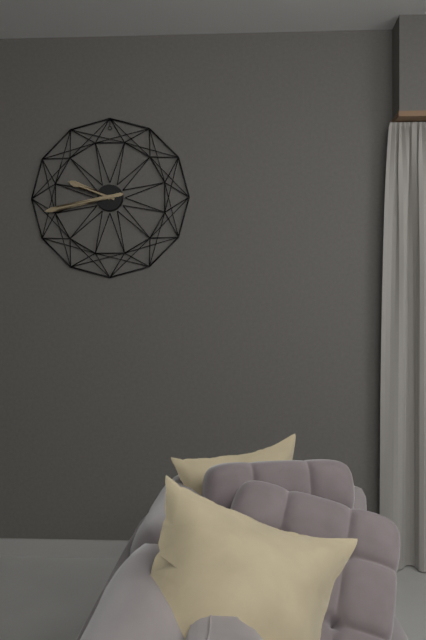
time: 9:43
